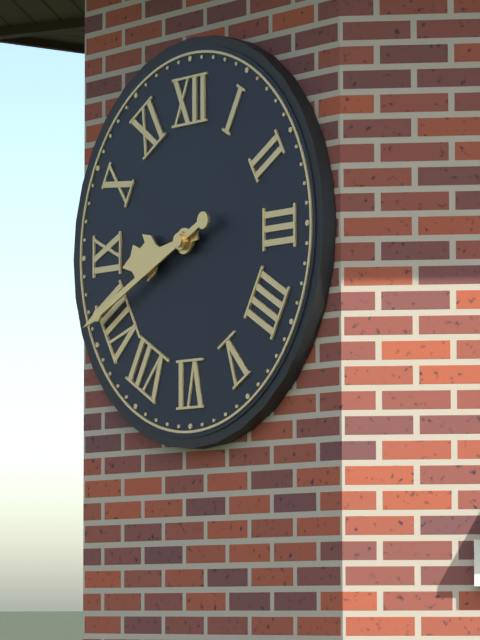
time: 8:41
